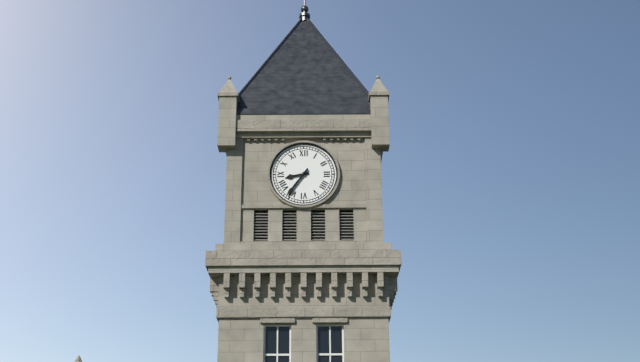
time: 8:36
